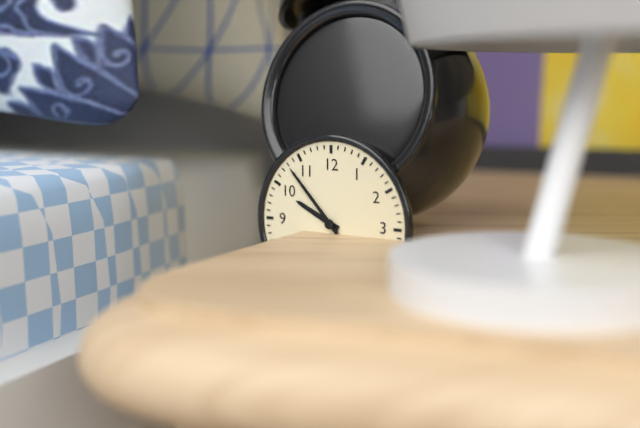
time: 9:53
